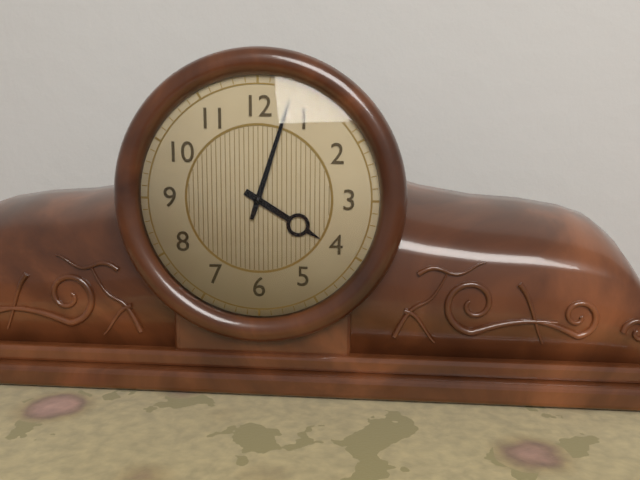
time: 4:03
